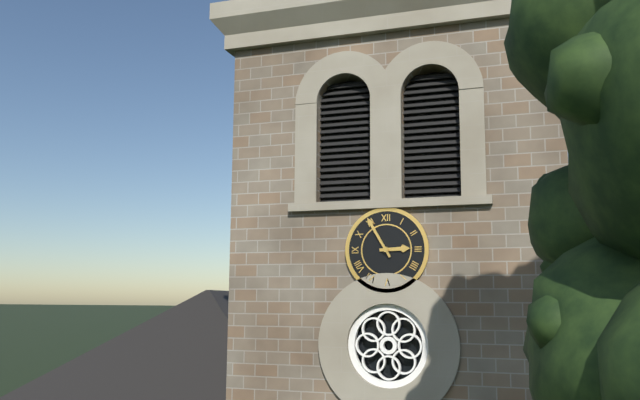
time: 2:55
